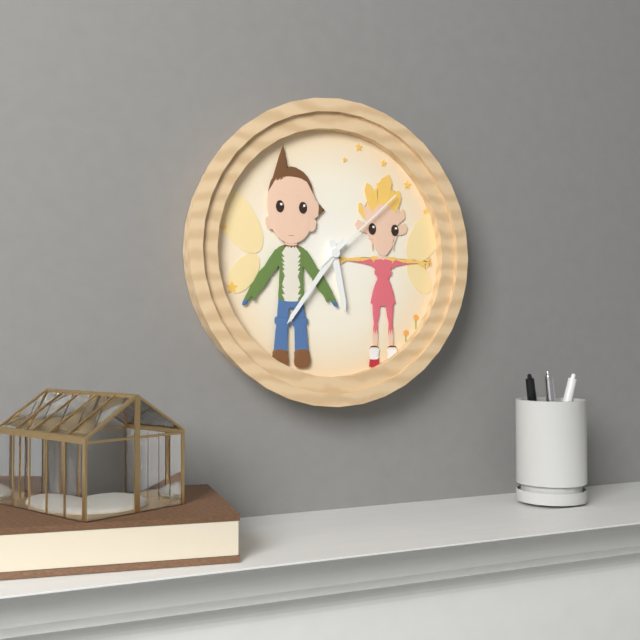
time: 5:36:08
